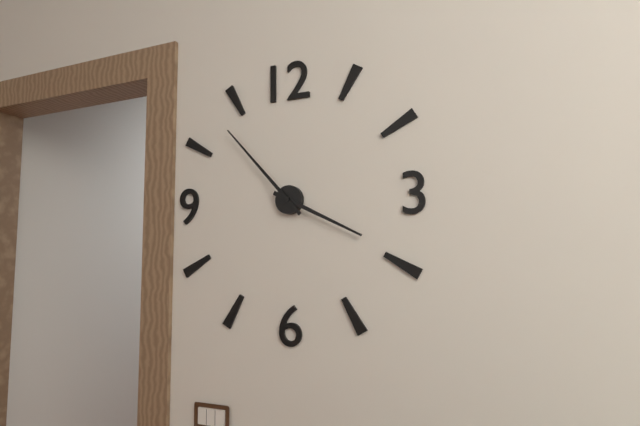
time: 3:53
